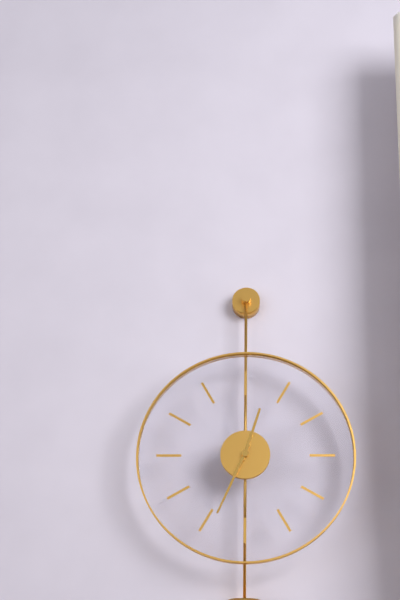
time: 12:34
